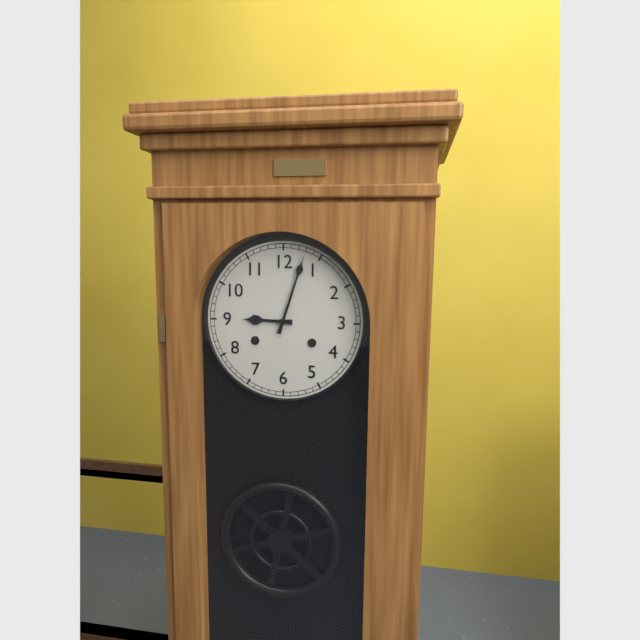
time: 9:03
